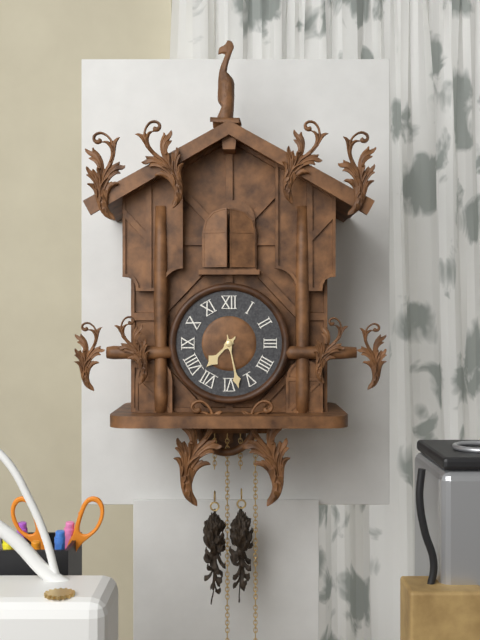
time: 7:28
